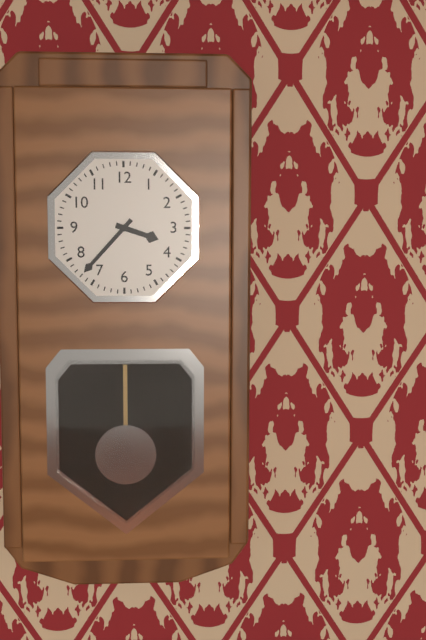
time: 3:37
